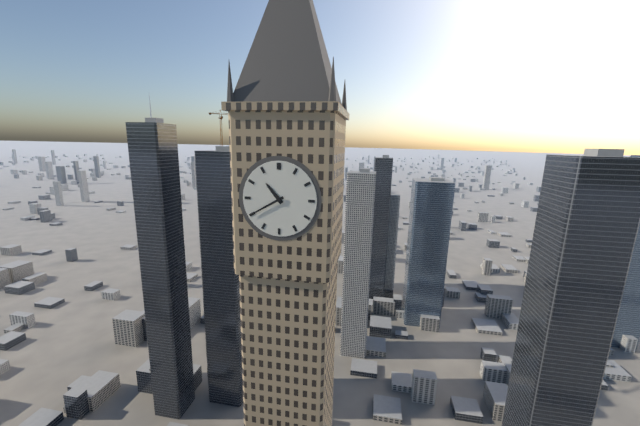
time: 10:40
